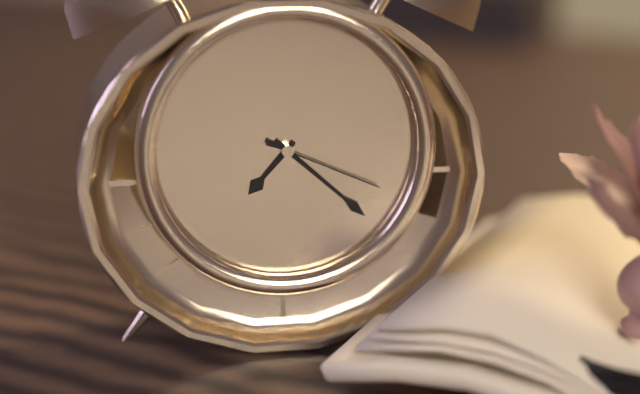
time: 7:22:19
